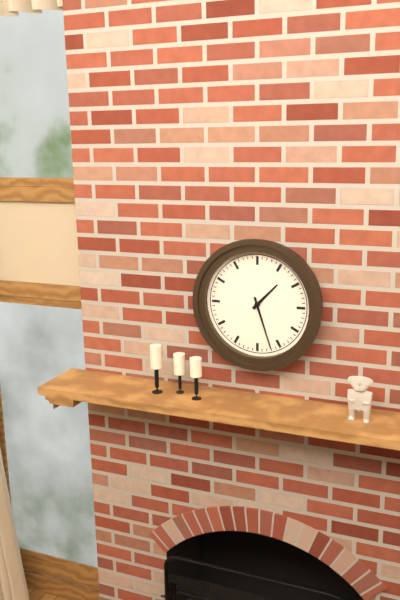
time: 1:27
